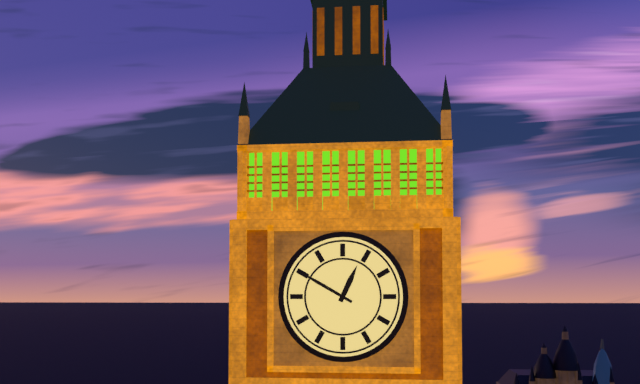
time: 12:50
